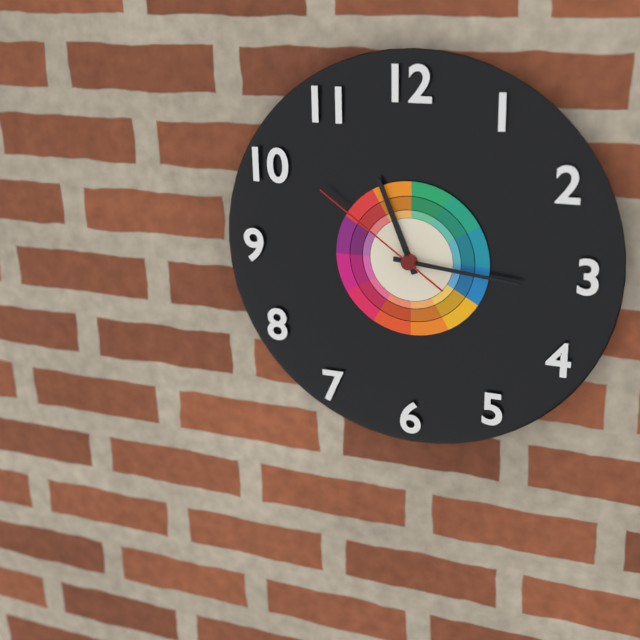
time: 11:16:51
